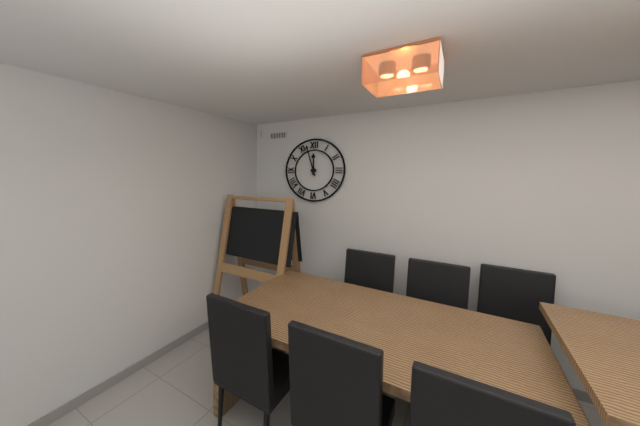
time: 11:57
